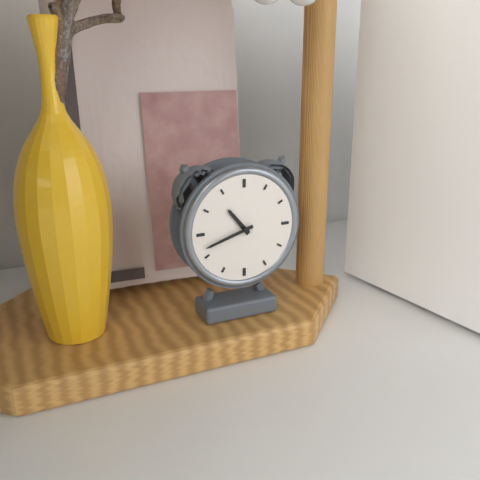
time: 10:42
